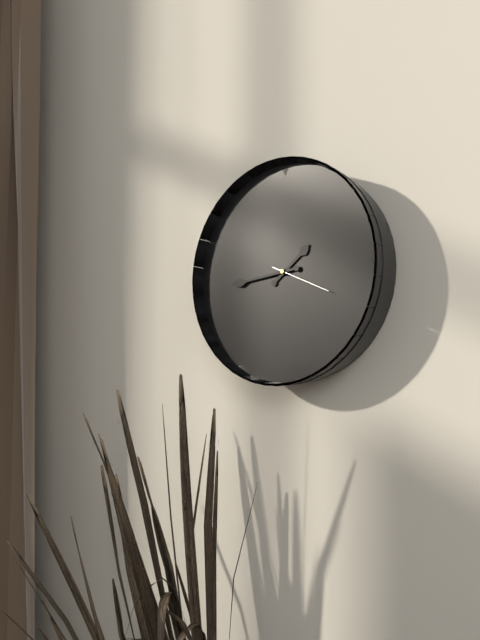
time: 1:44:19
